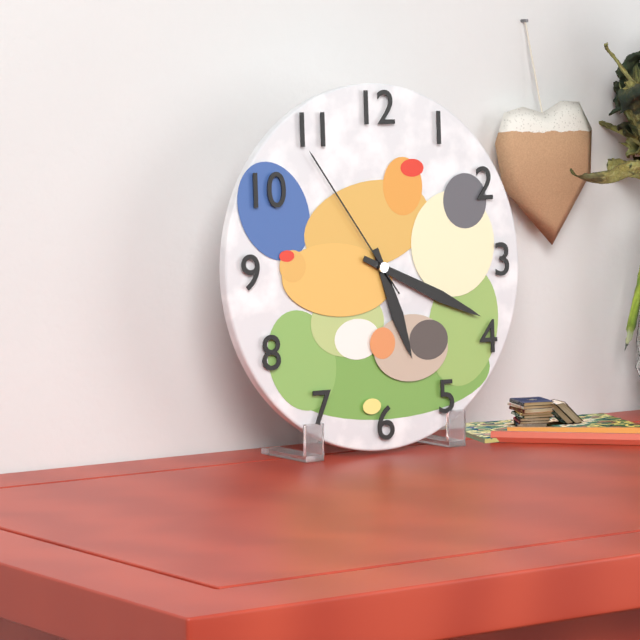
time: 5:19:54
